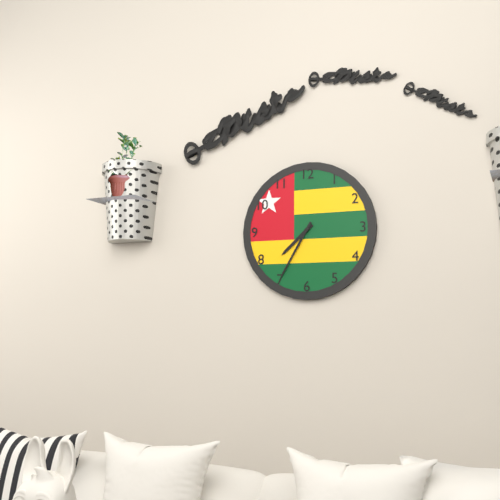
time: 7:35
